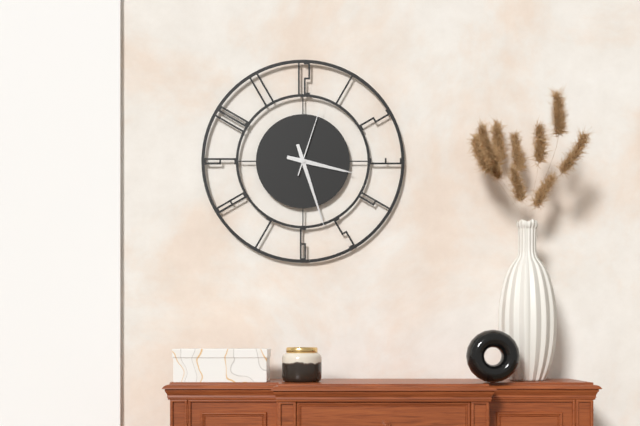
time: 3:27:03
